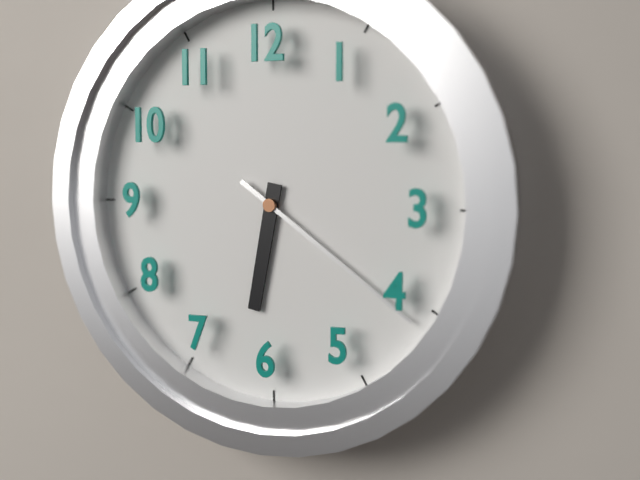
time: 6:21
